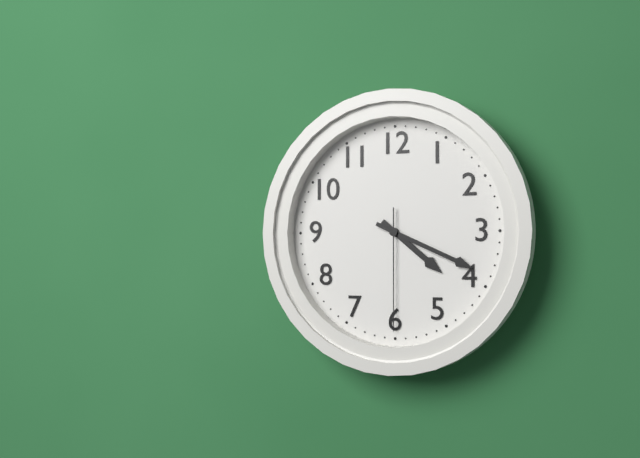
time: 4:19:30
